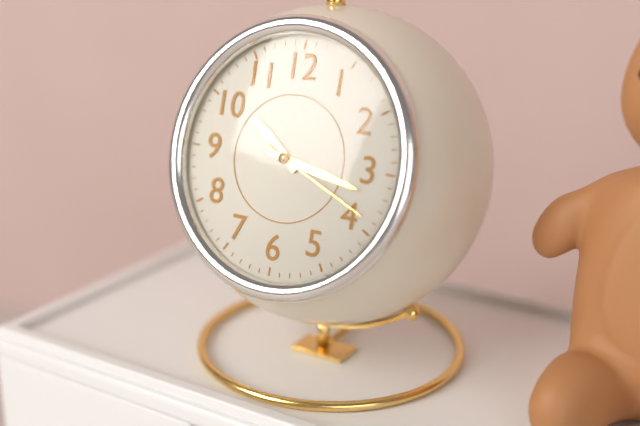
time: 10:17:19
